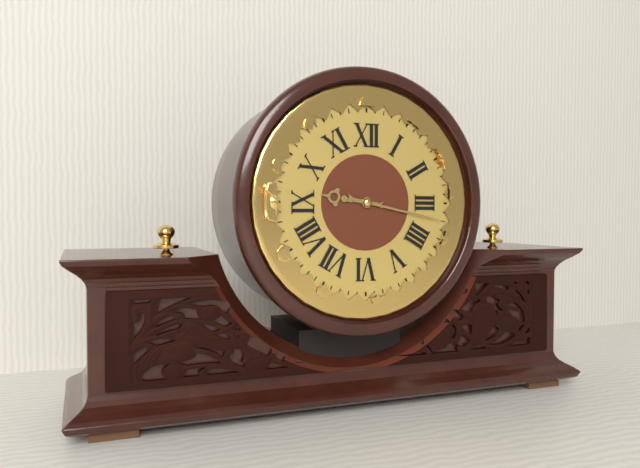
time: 9:17
